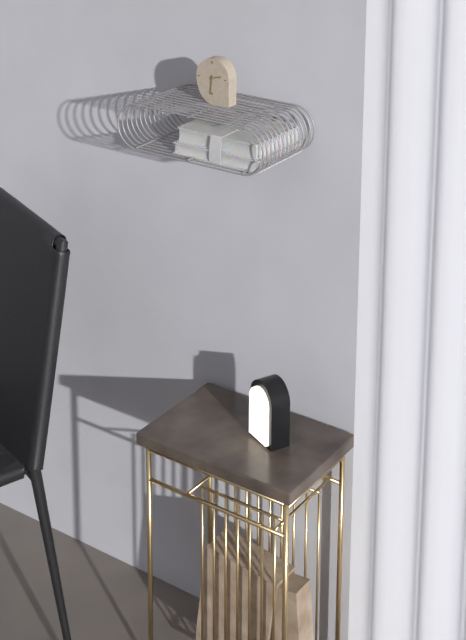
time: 2:31
